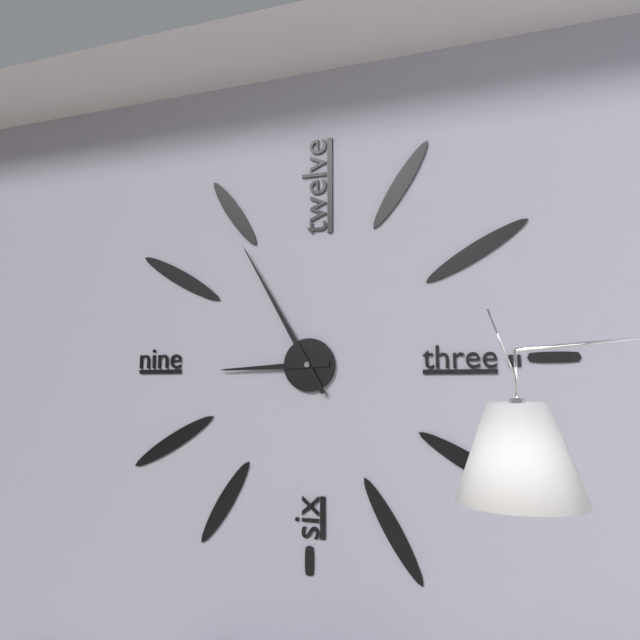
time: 8:55
